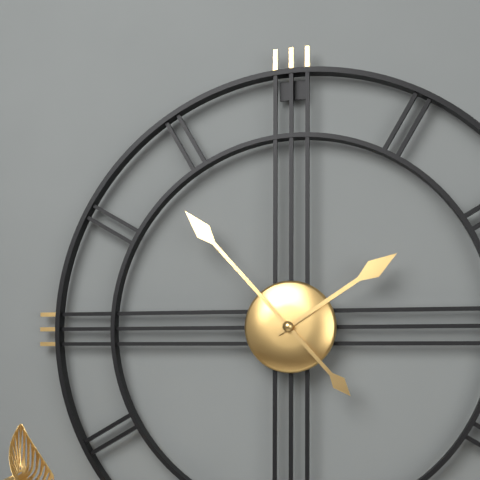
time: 1:53
